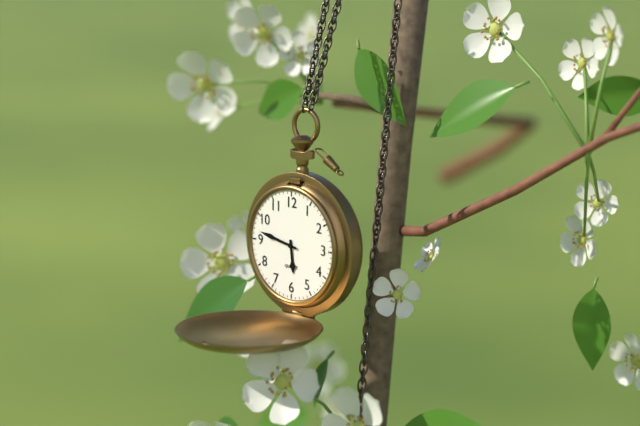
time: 5:47
